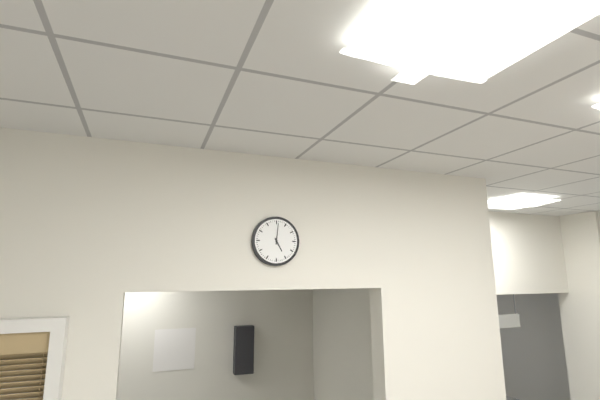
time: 5:01
